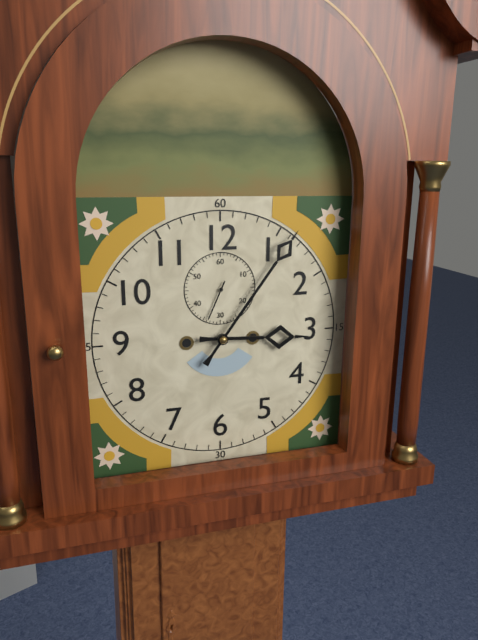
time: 3:06
